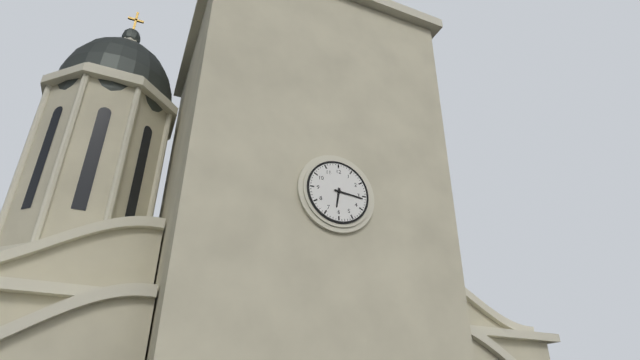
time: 6:16
